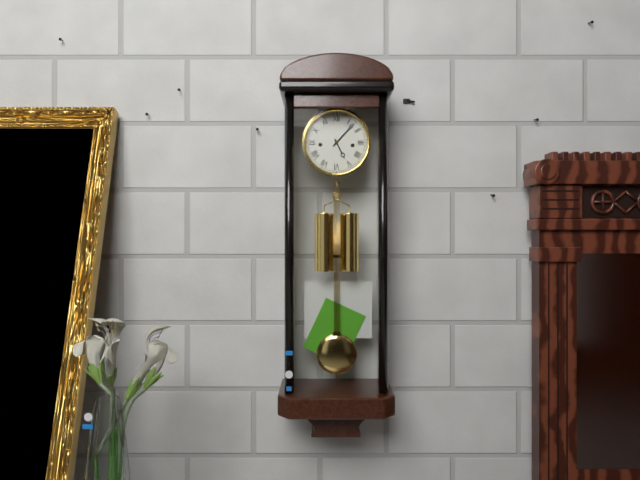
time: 5:07
